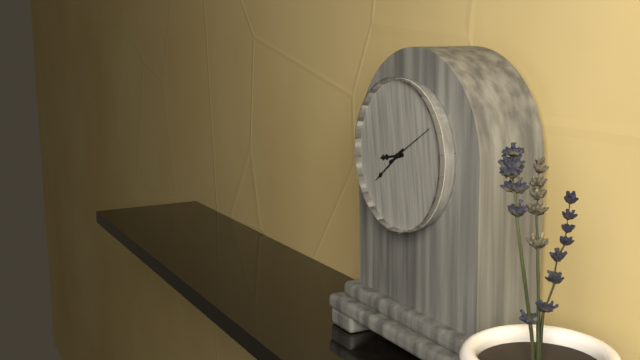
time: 8:39:10
